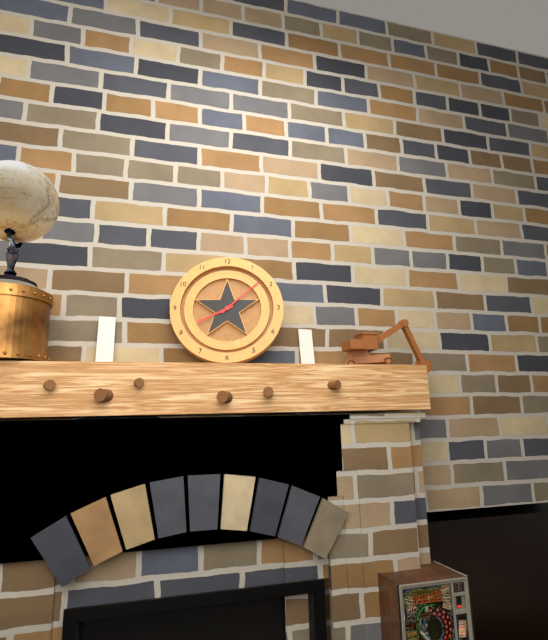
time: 8:08
